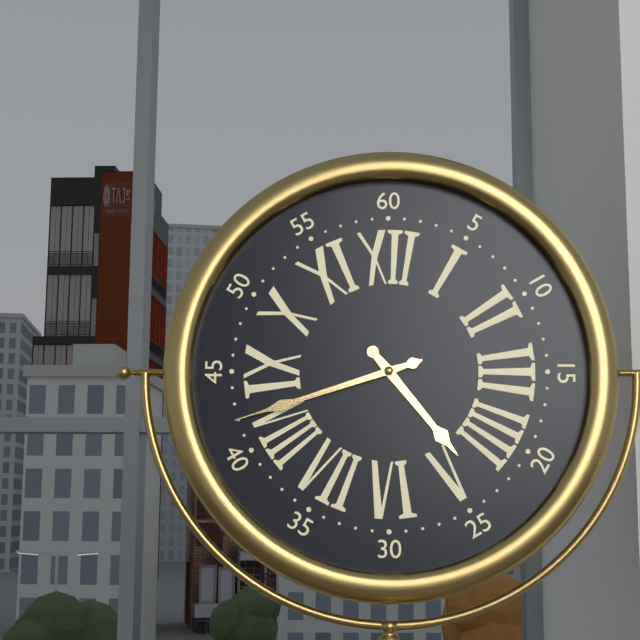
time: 4:42:42
